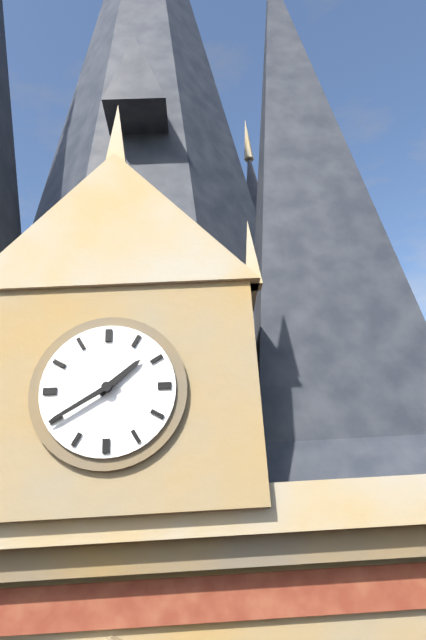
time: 1:40
